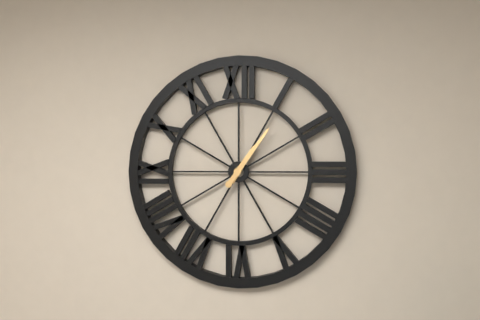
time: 1:06
